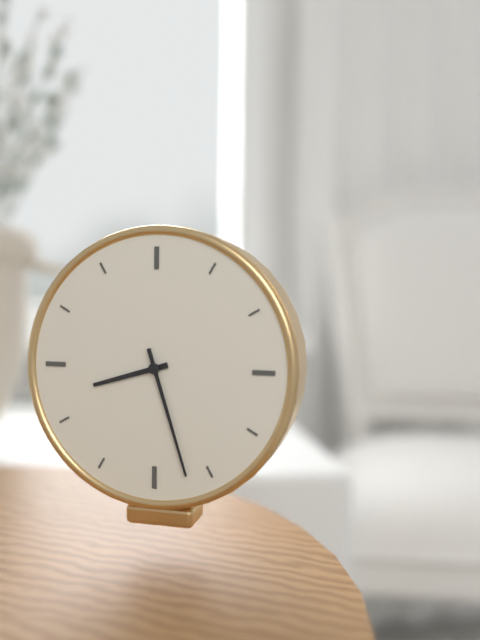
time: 8:27
